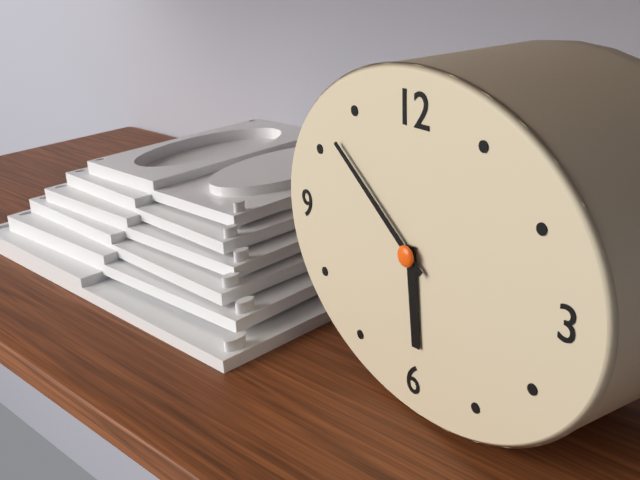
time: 5:51
